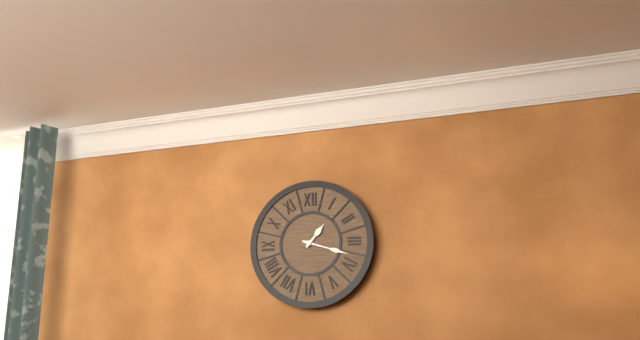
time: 1:18
